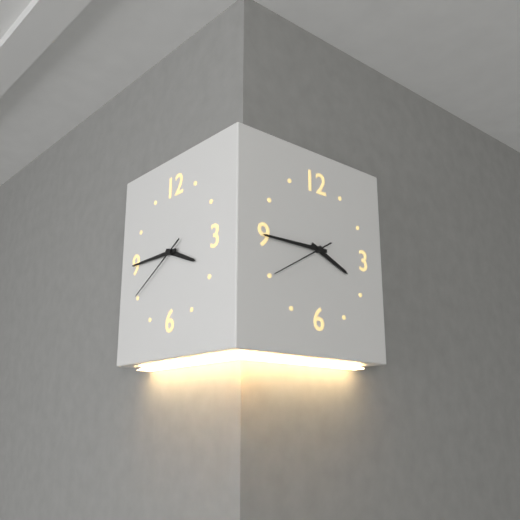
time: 3:45:40
